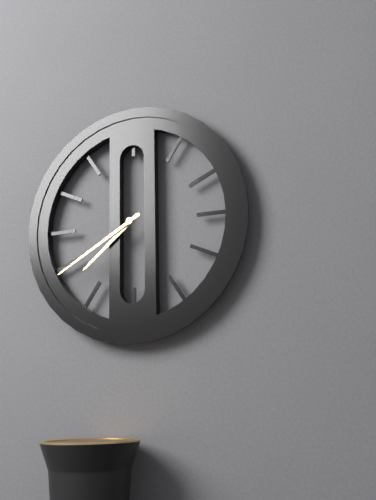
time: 7:40
